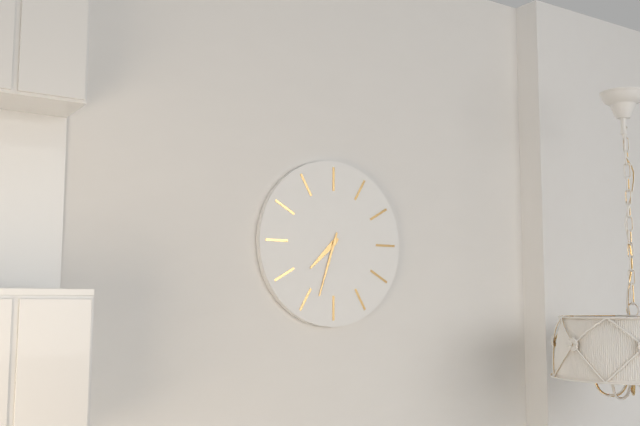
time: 7:33
